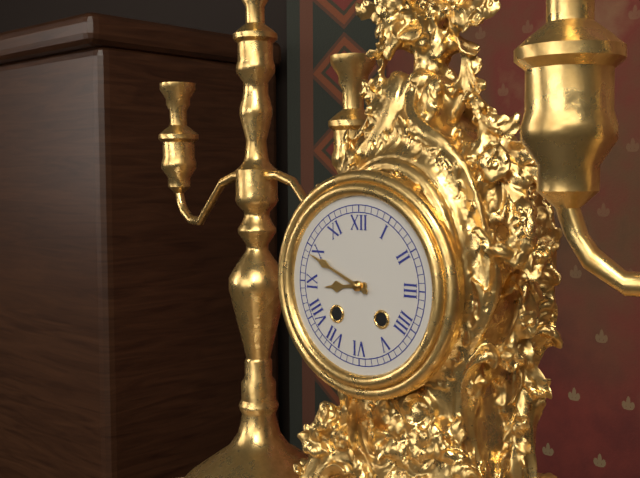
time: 8:49
